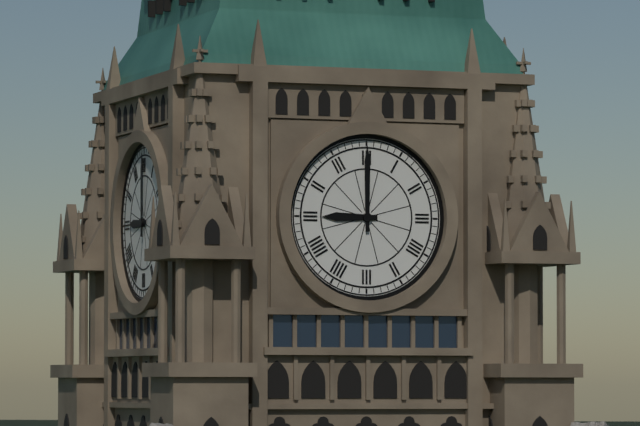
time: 9:00
